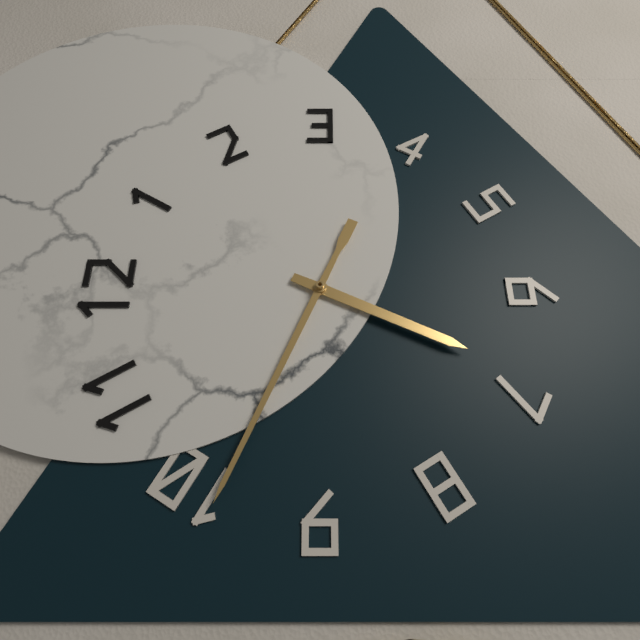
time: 6:49
